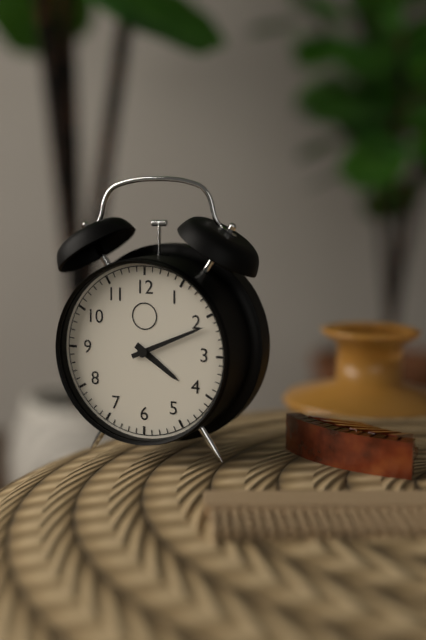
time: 4:11
